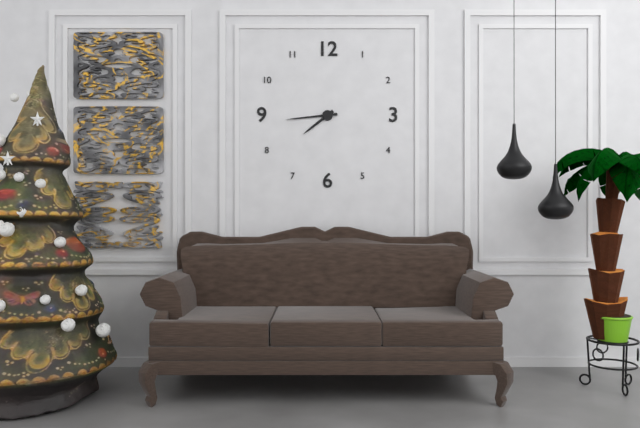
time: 7:44
